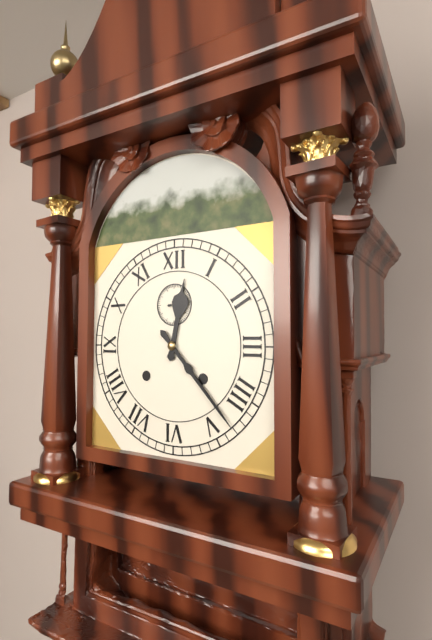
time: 12:23
